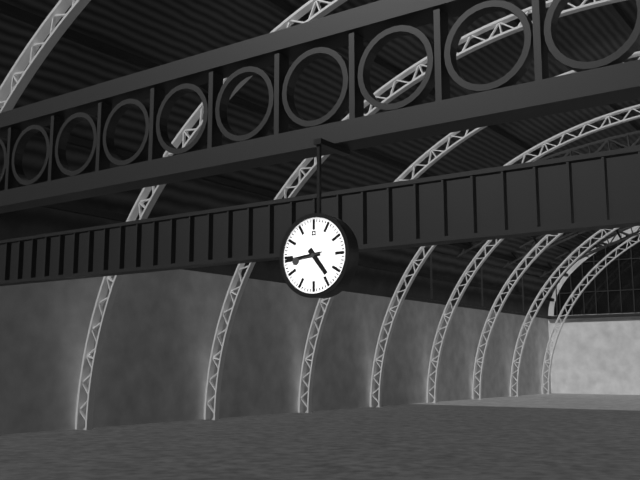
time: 4:44
